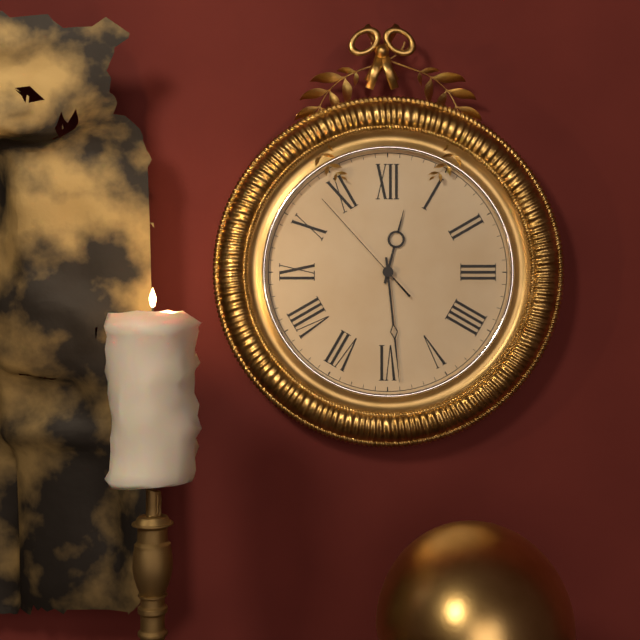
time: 12:29:53
